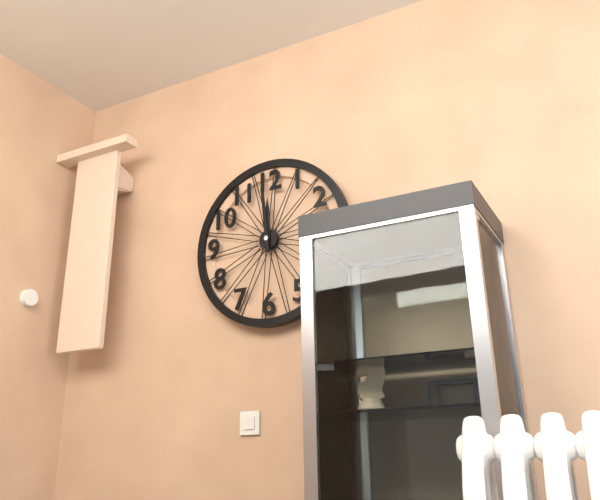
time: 11:59
